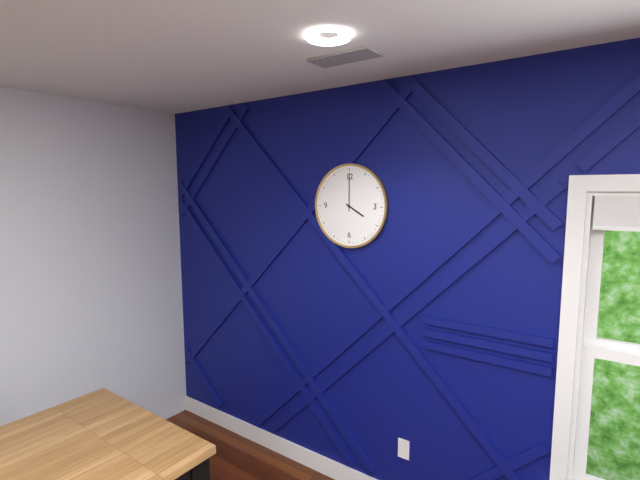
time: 4:00
